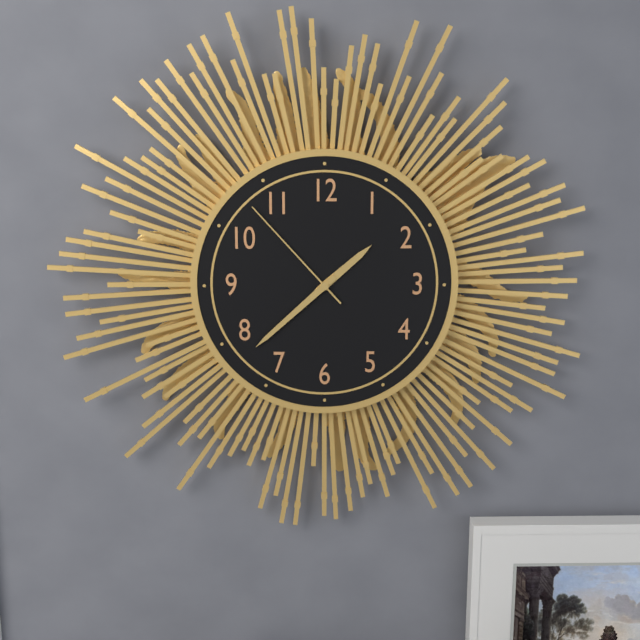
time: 1:38:53
